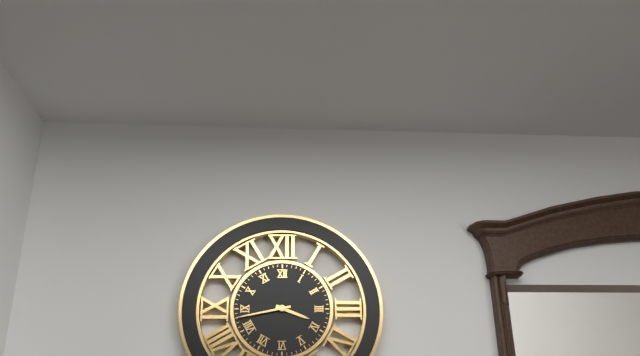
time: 3:43
